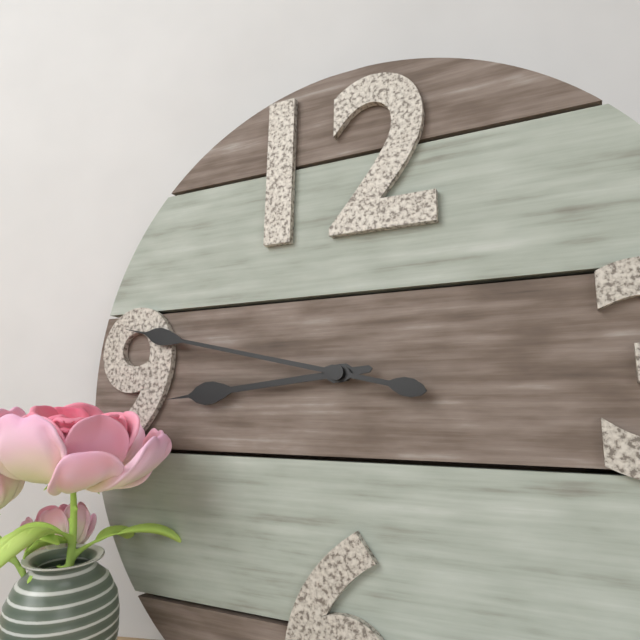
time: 8:47
